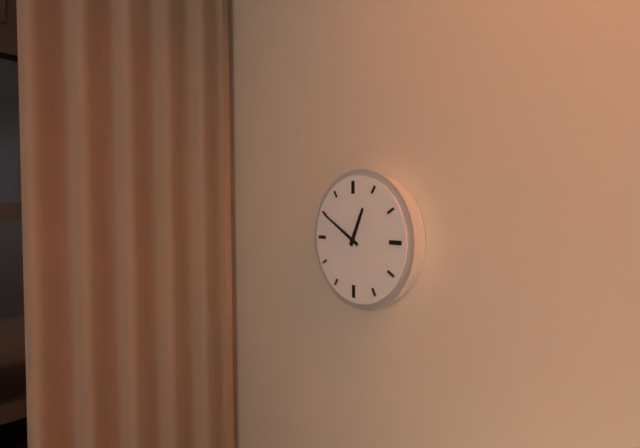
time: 12:50
